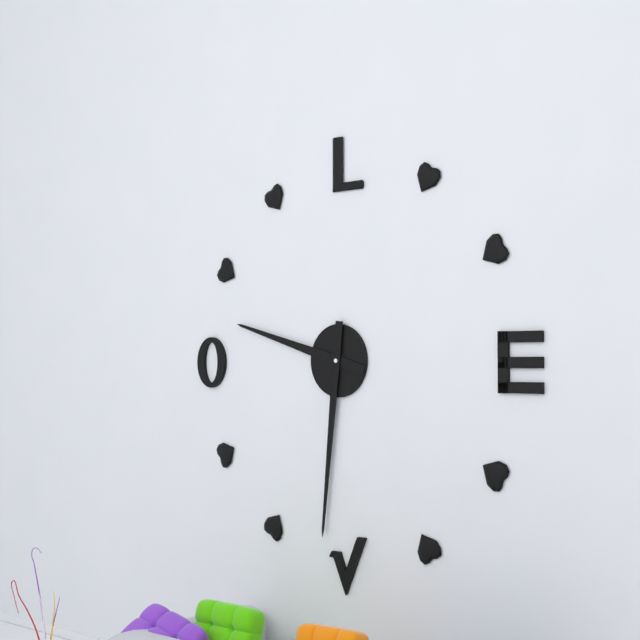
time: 9:31
